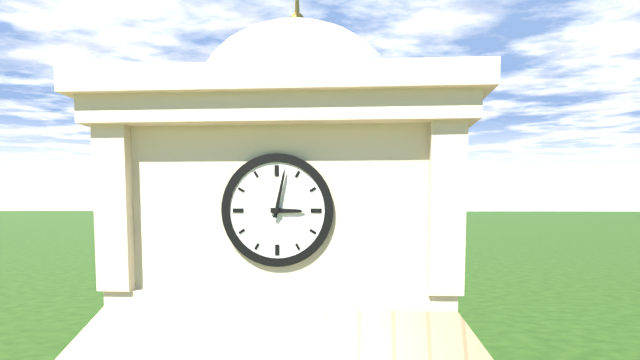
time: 3:02
